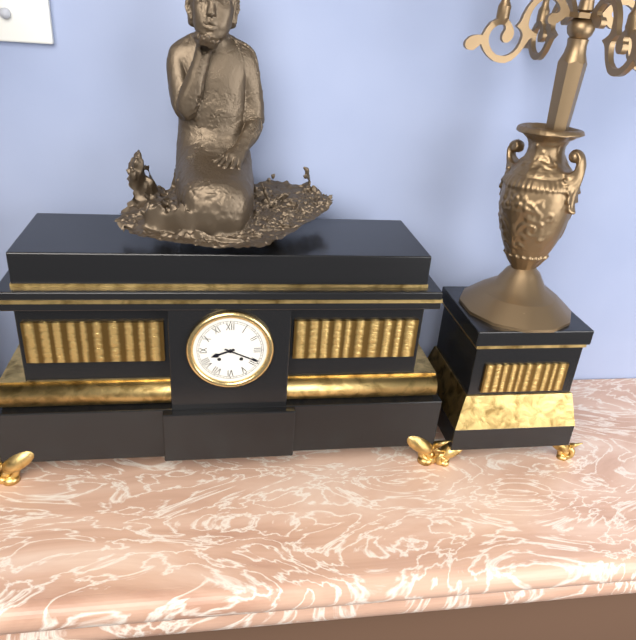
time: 8:19
